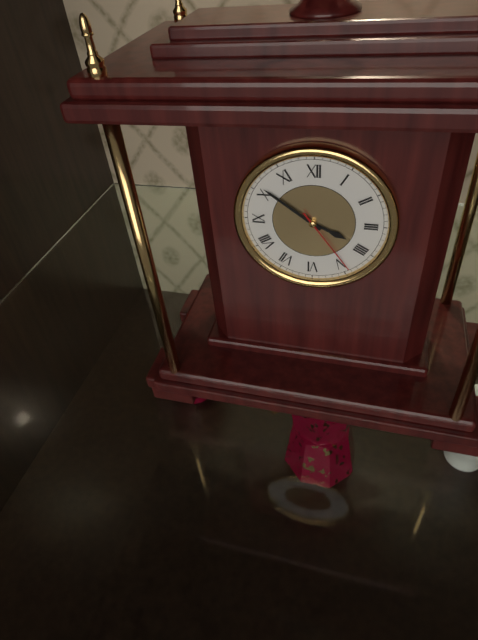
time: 3:51:24
